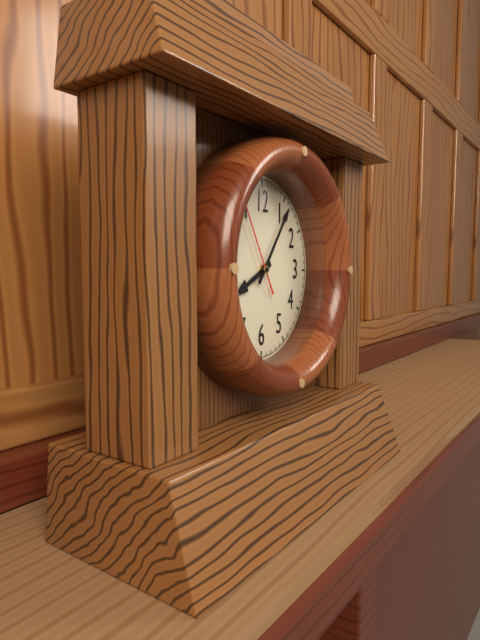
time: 8:06:55
